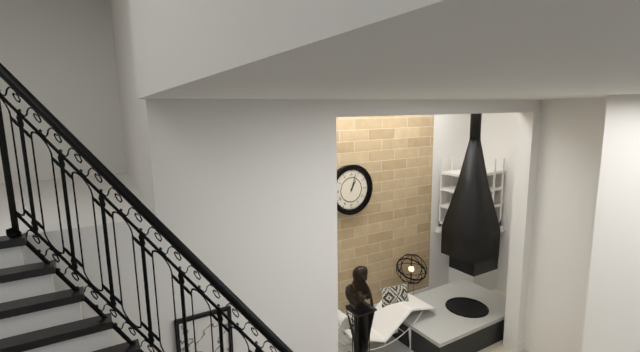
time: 1:03
